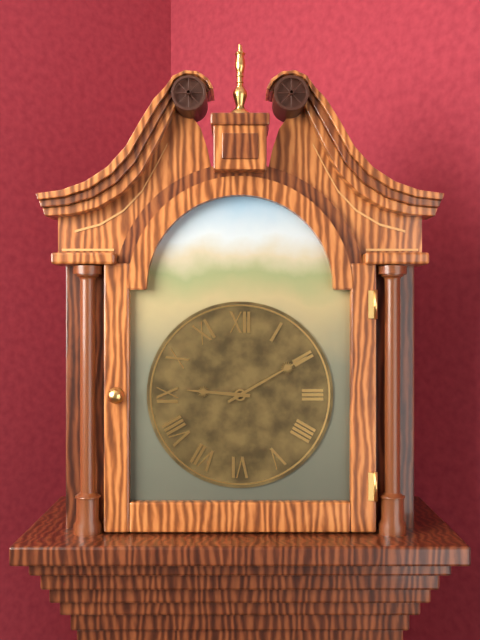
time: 9:10
